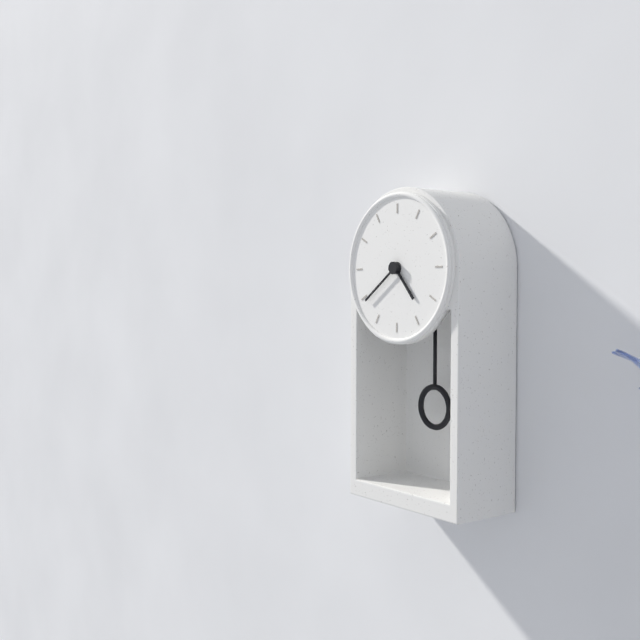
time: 4:39
